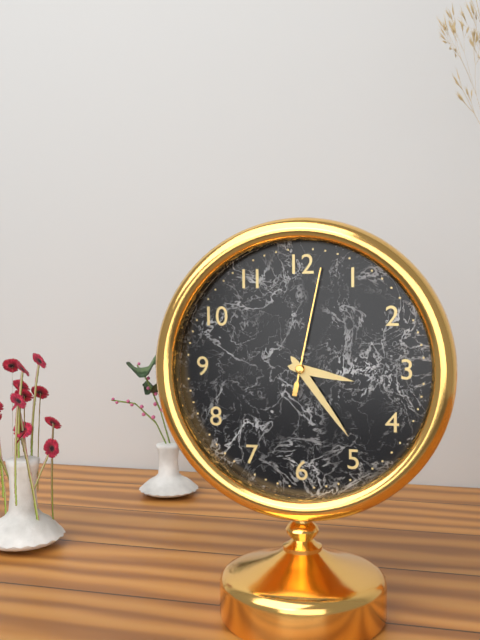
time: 3:24:02
